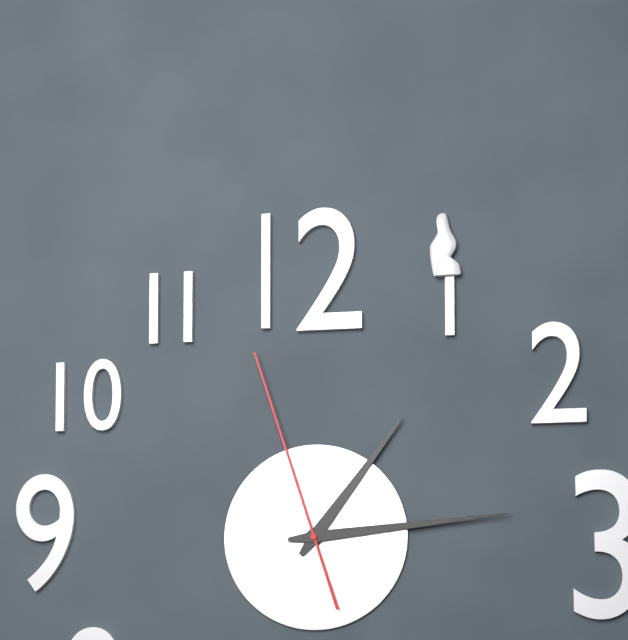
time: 1:14:57
